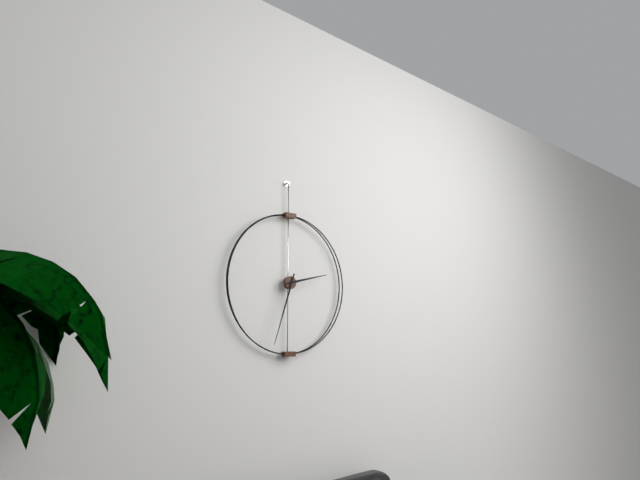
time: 2:33
